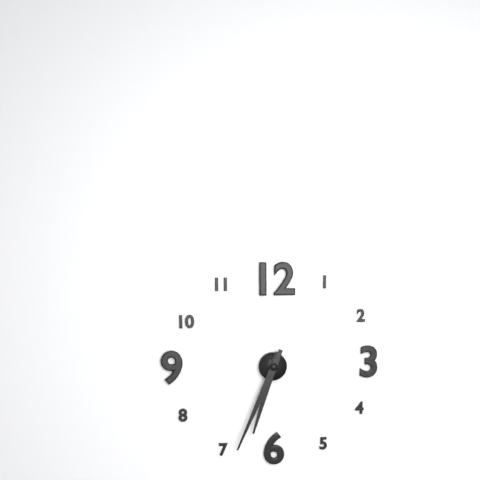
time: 6:34
